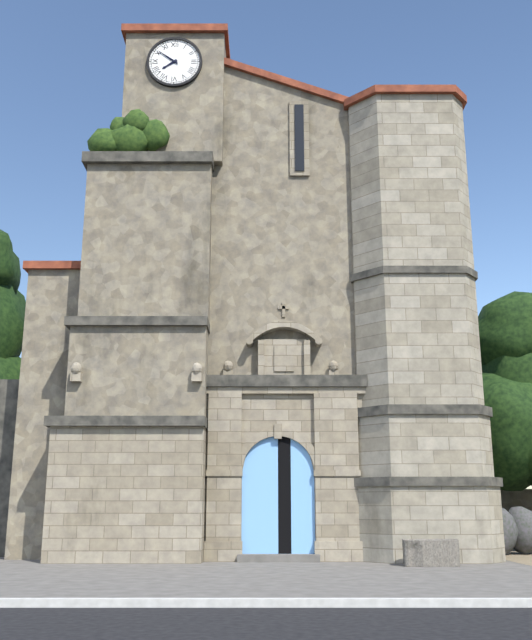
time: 7:51
